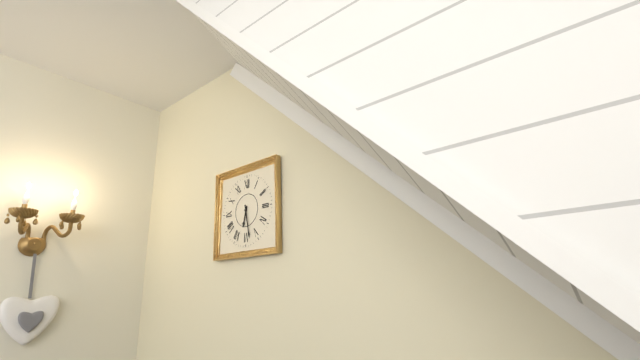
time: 6:28
